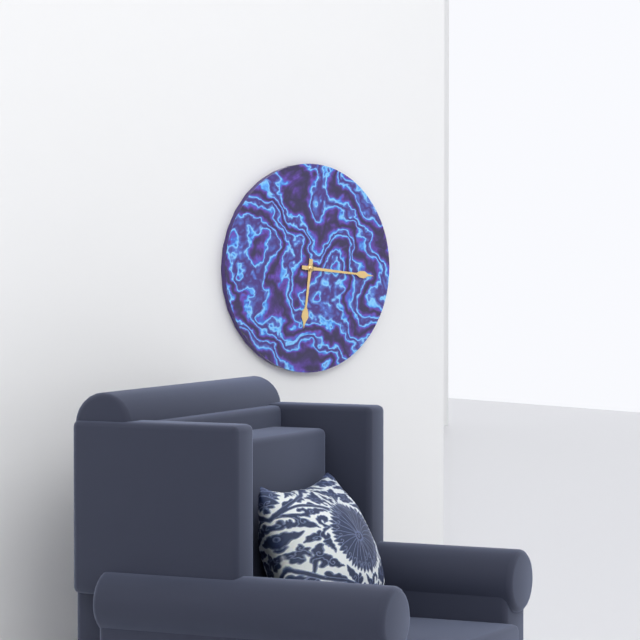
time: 6:16
